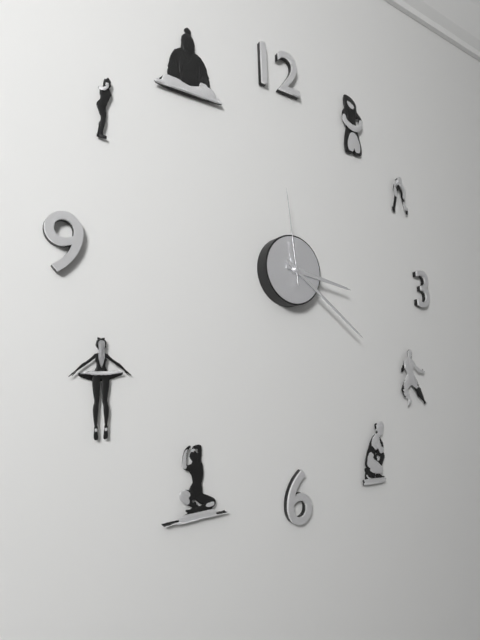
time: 3:21:59
